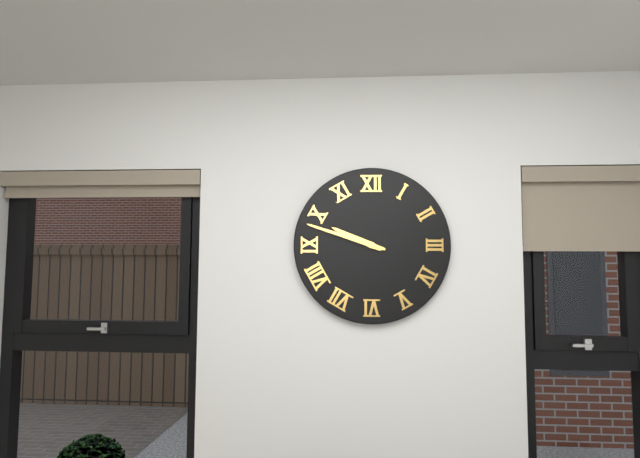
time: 9:48
